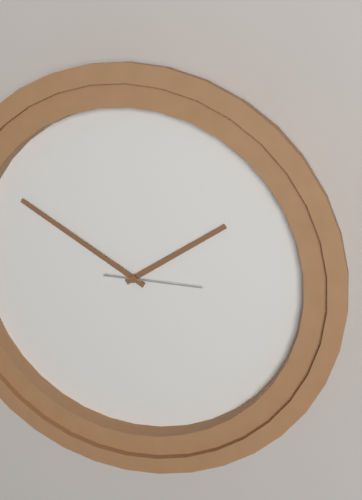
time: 1:50:15
